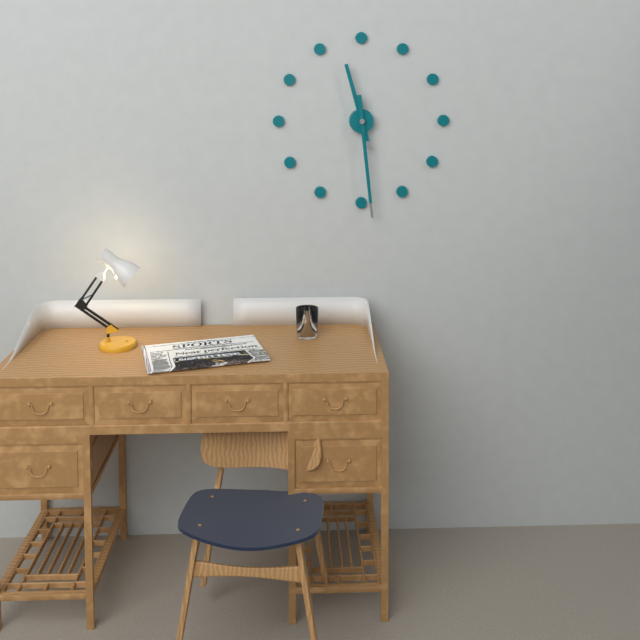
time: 11:29
